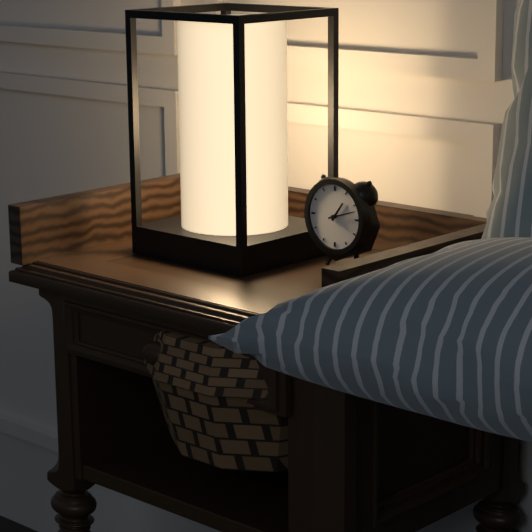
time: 1:12
